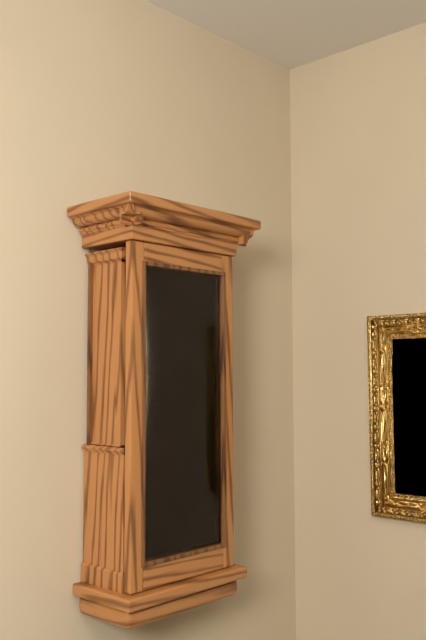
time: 8:35
